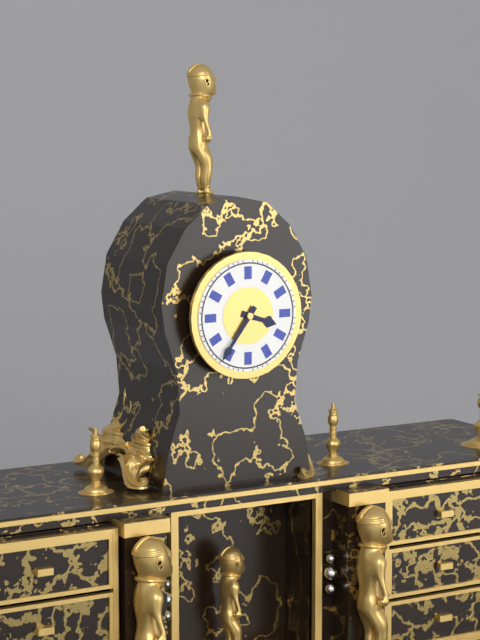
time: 3:36
